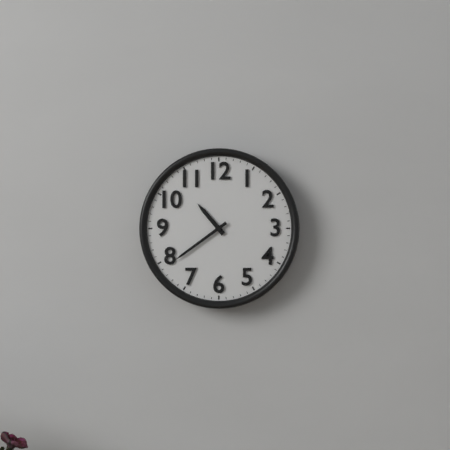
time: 10:39
